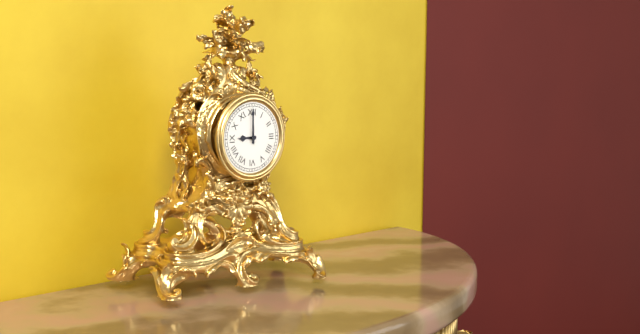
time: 9:00
